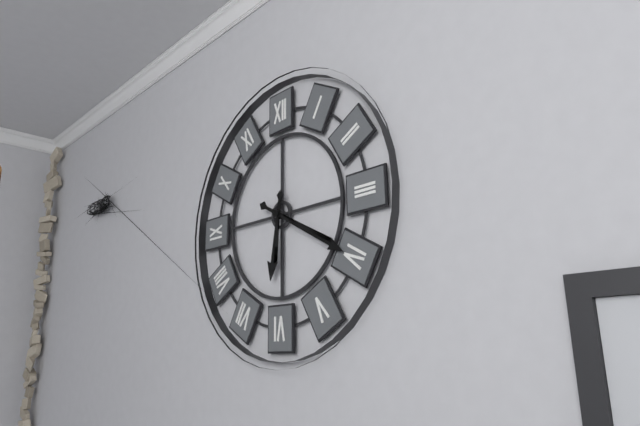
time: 6:20
